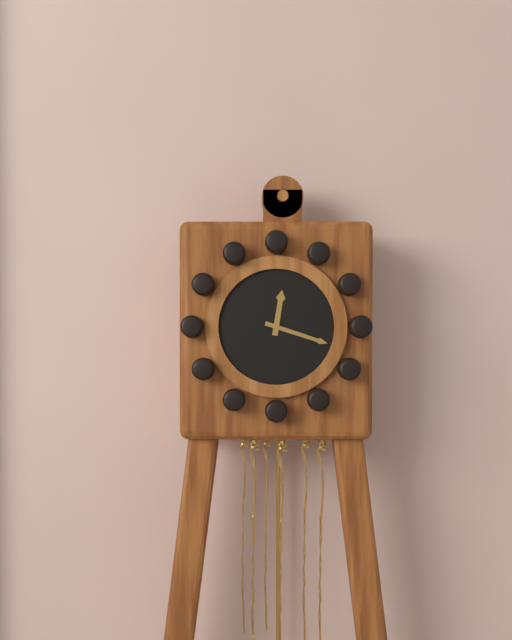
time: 12:18
